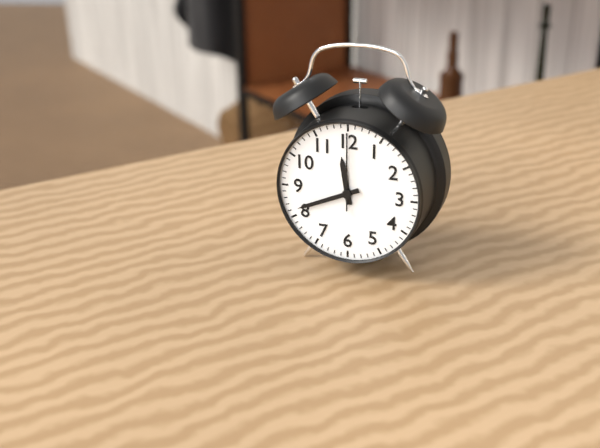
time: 11:41:00
